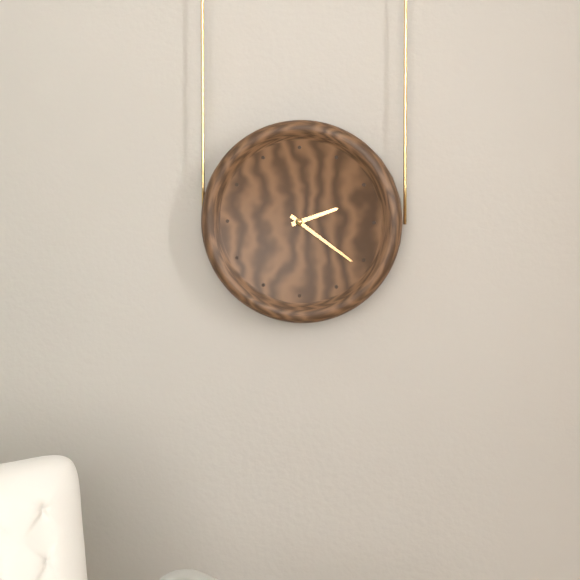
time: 2:21
